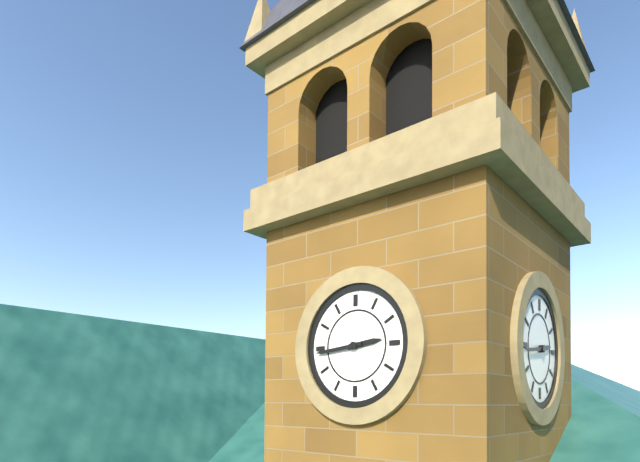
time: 2:44
